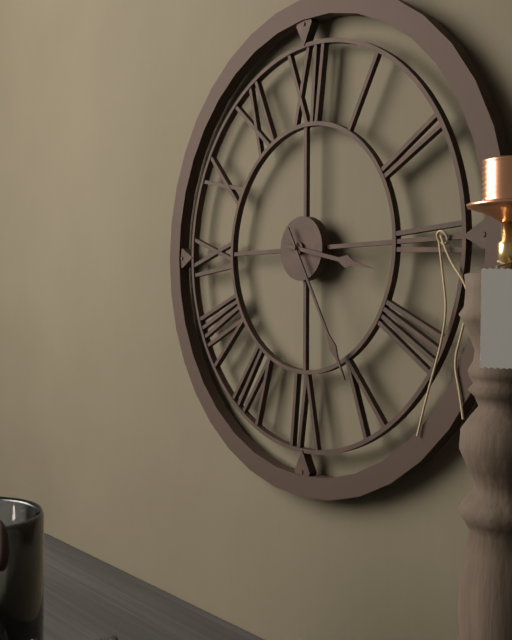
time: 3:25
